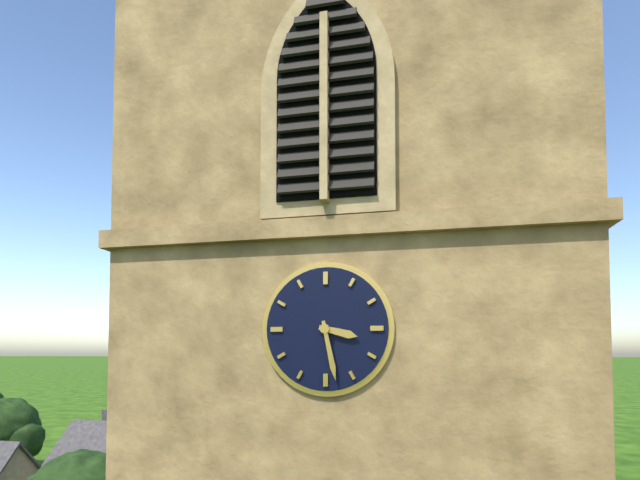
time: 3:28
